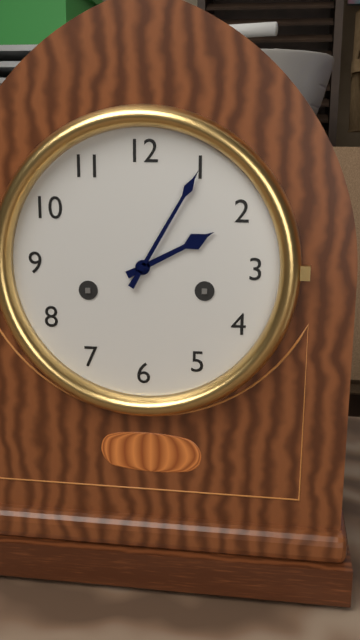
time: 2:05
